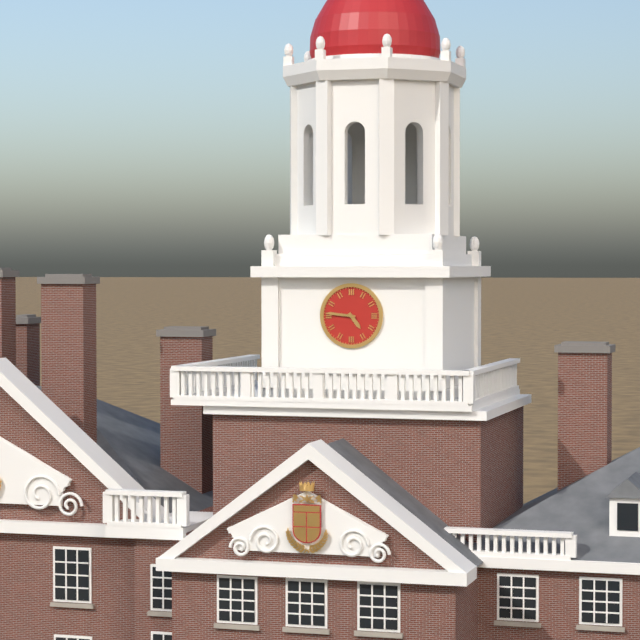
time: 4:46
